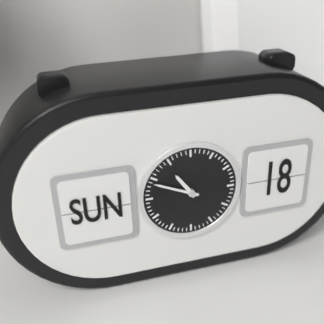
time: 10:49
